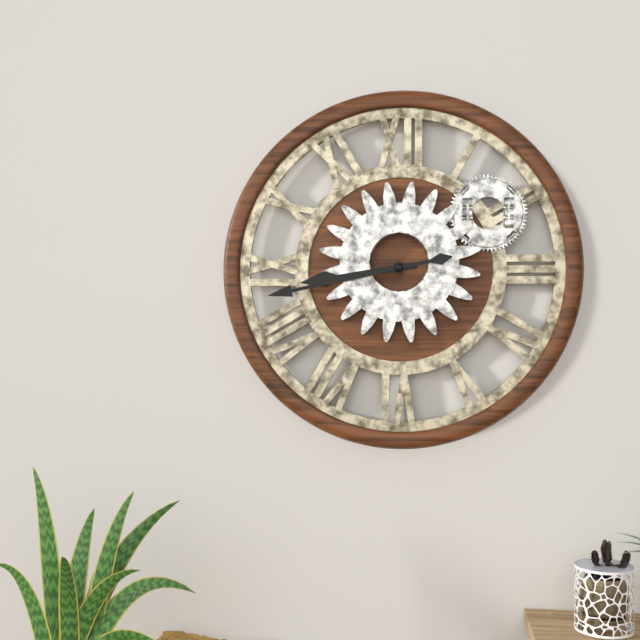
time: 8:43
